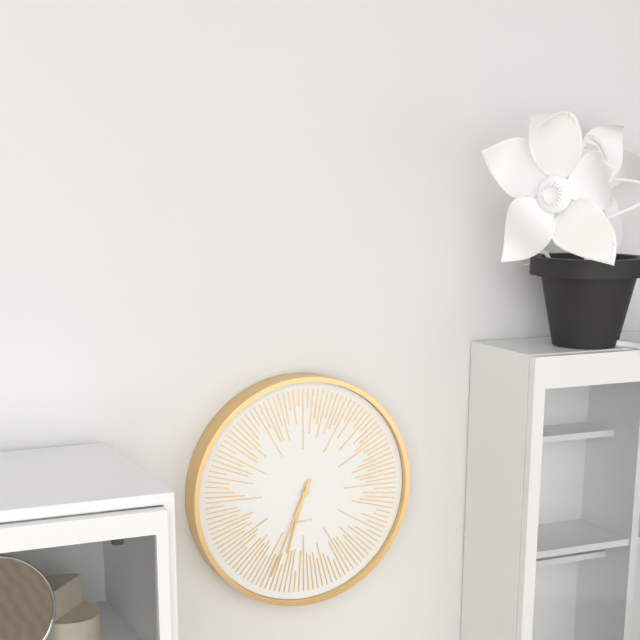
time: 6:34
